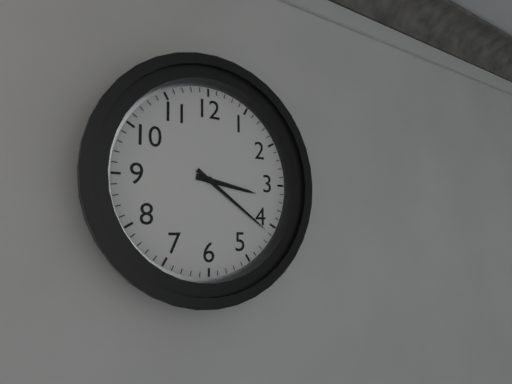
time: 3:21
